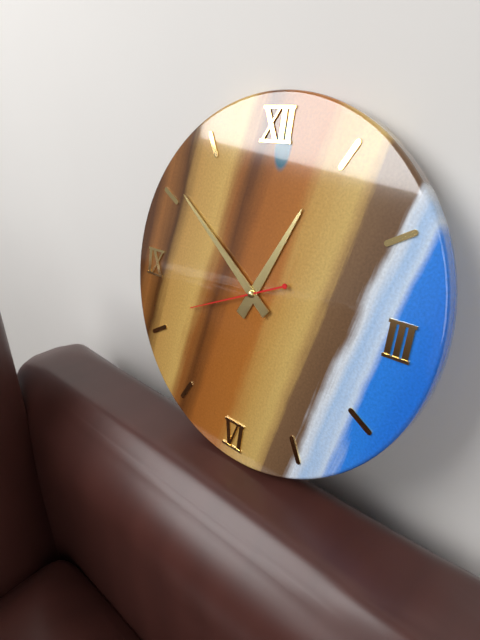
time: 12:51:41
